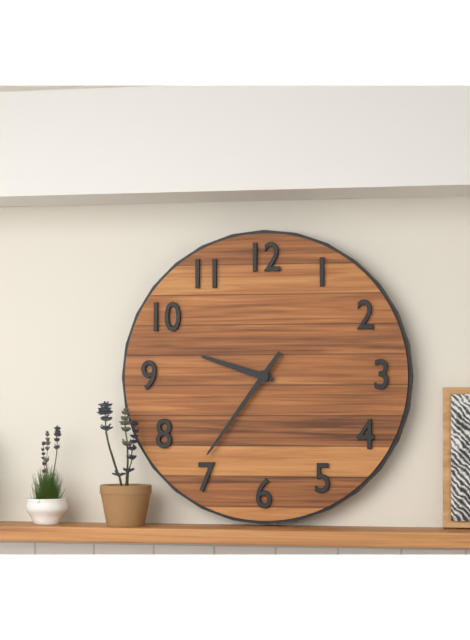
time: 9:36
